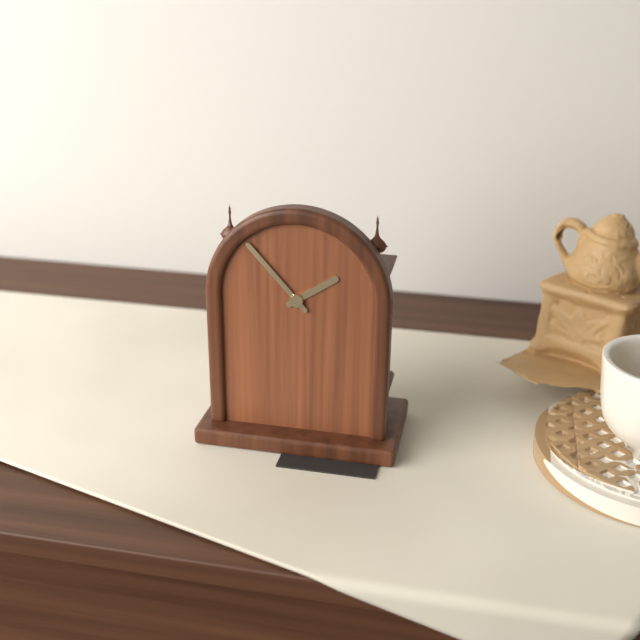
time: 1:53
